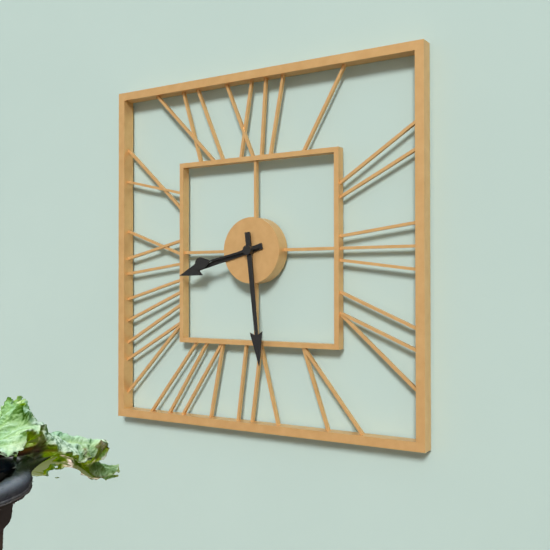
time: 8:29:43
